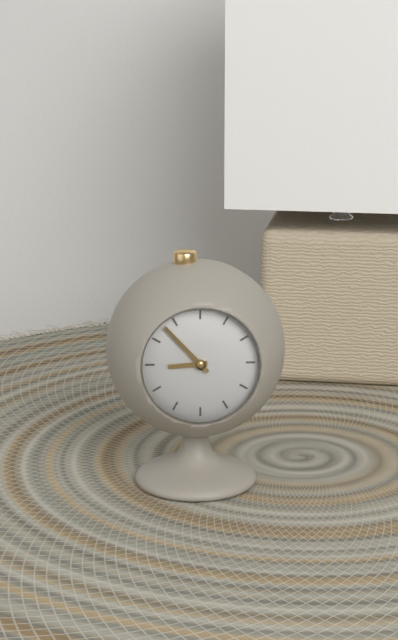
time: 8:53
